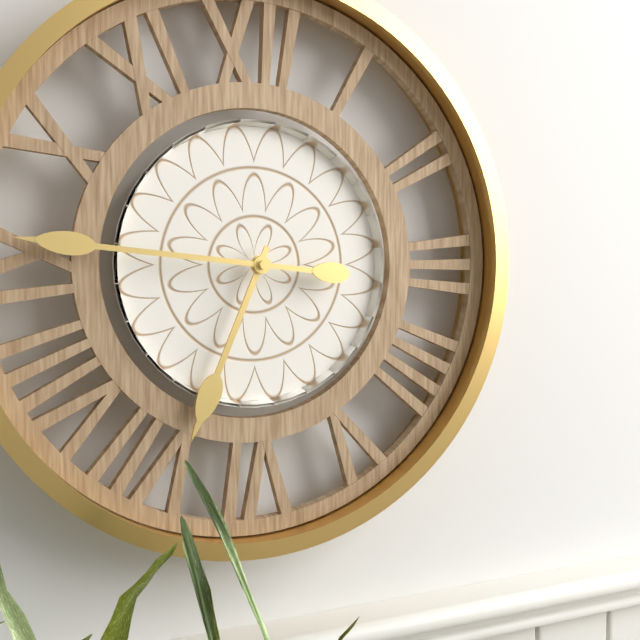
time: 6:46
